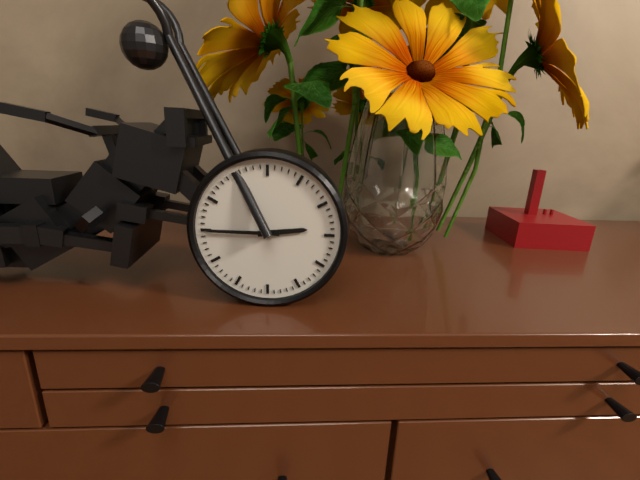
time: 2:45
